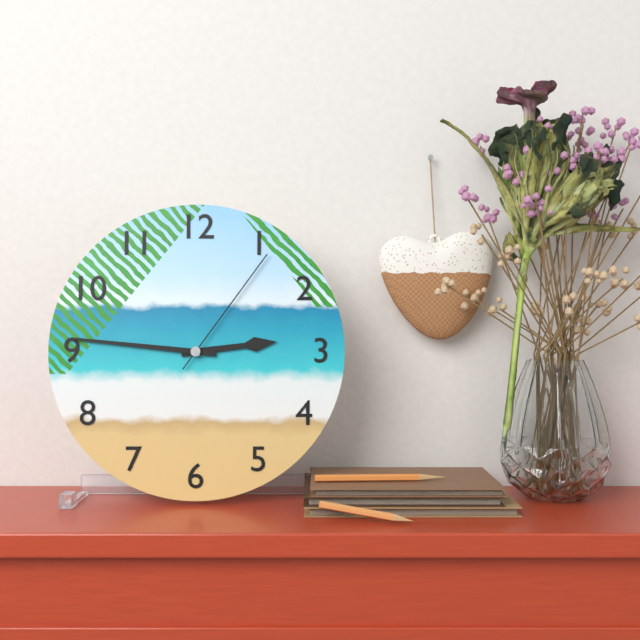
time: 2:46:06
